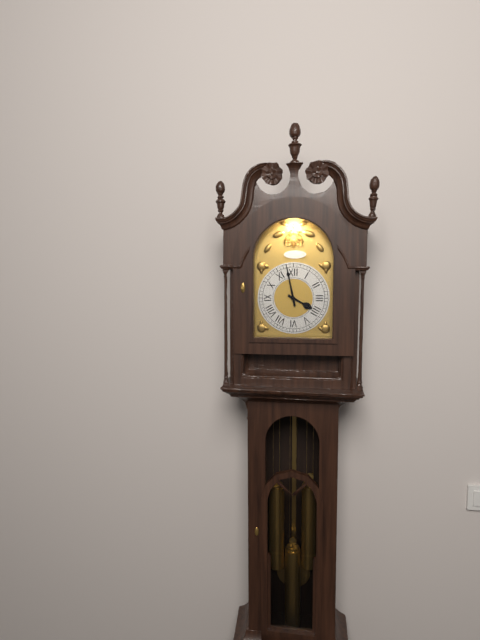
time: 3:58
